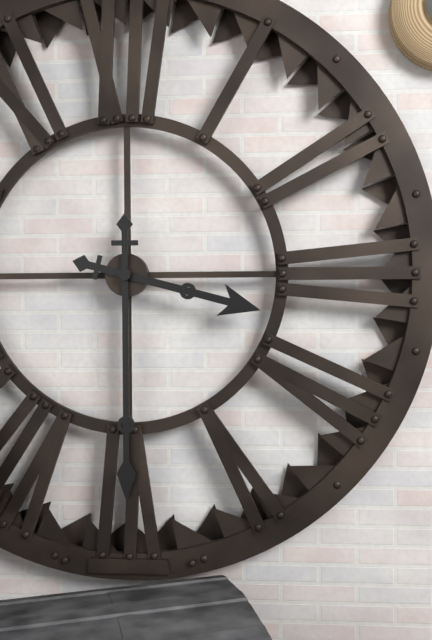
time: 3:30
